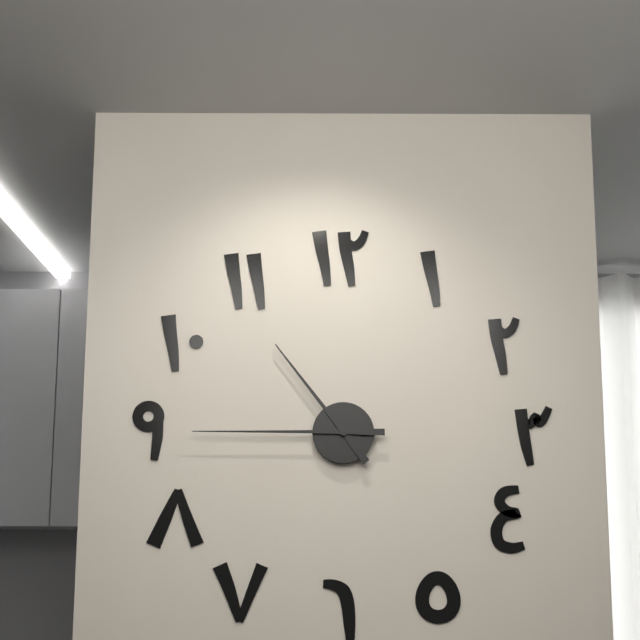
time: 10:45
